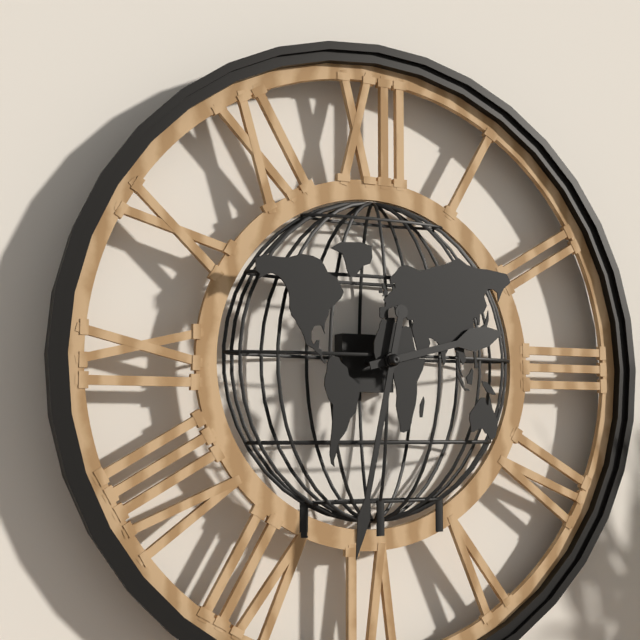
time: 2:32
